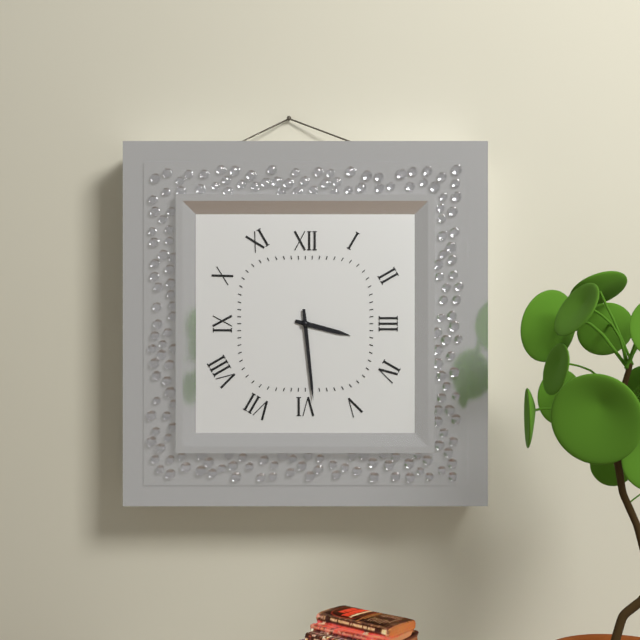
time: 3:29
